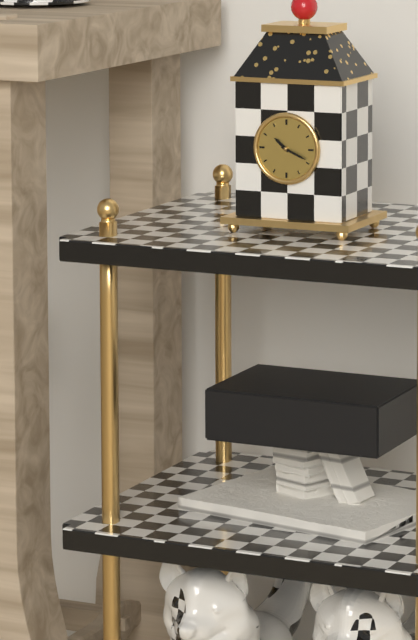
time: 10:19
